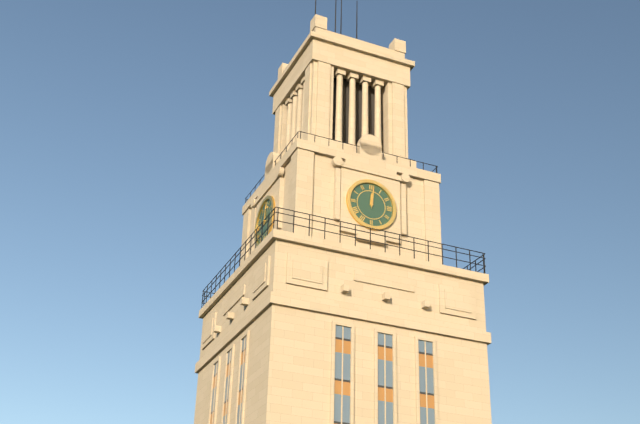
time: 12:01
